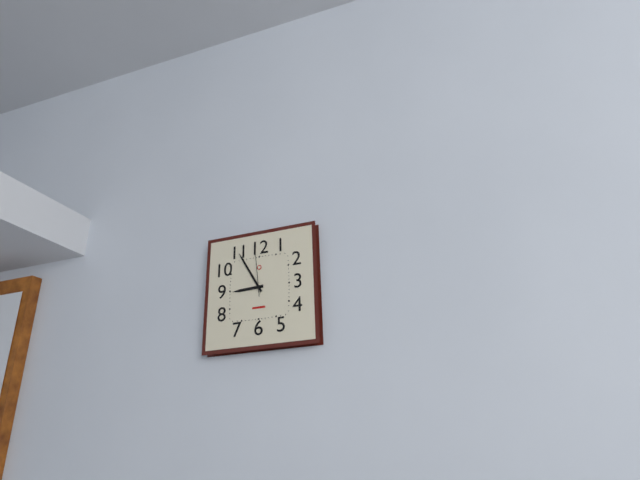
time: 8:55:59
